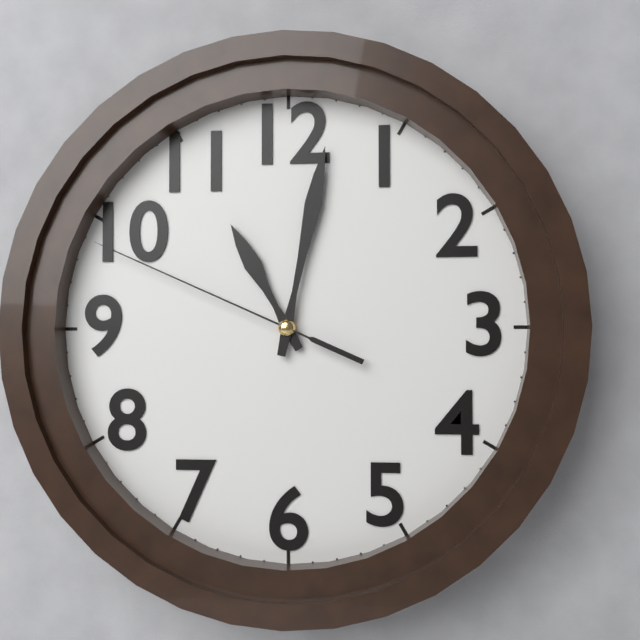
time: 11:02:49
